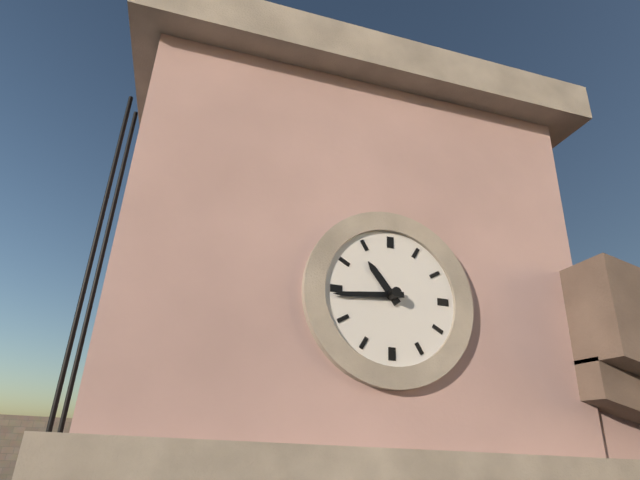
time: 10:44
